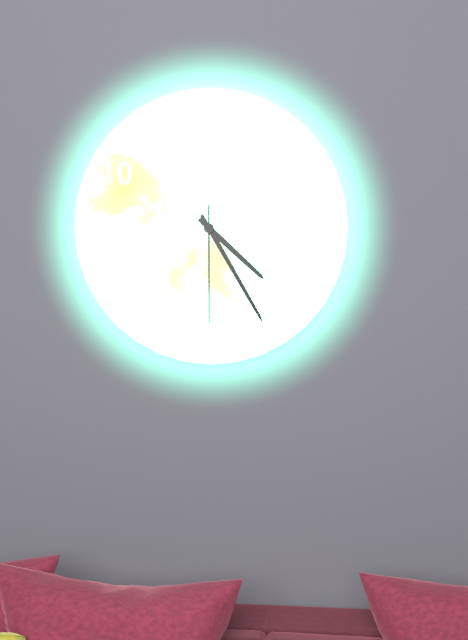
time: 4:25:30
